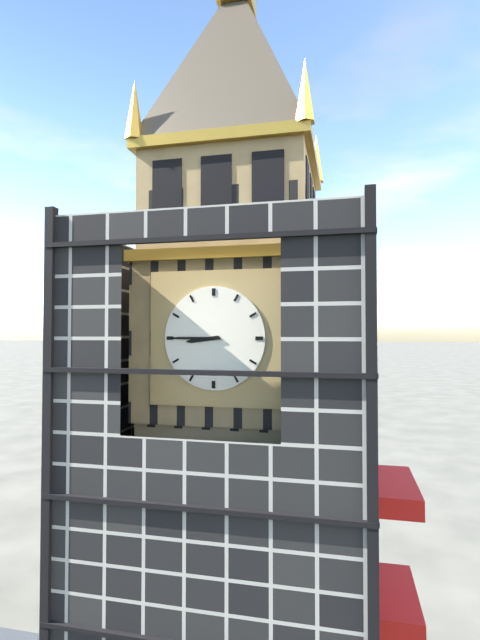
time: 8:45
